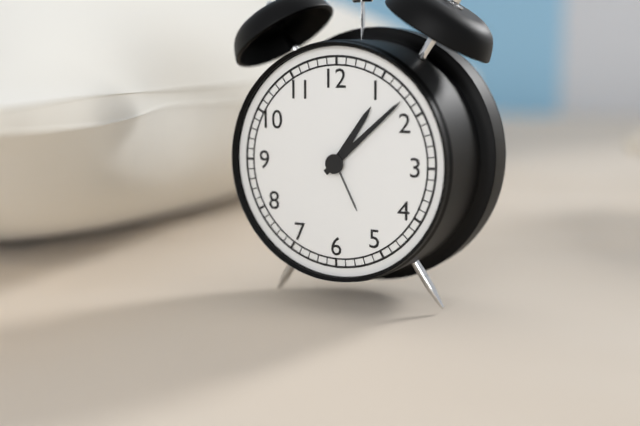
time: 1:08
